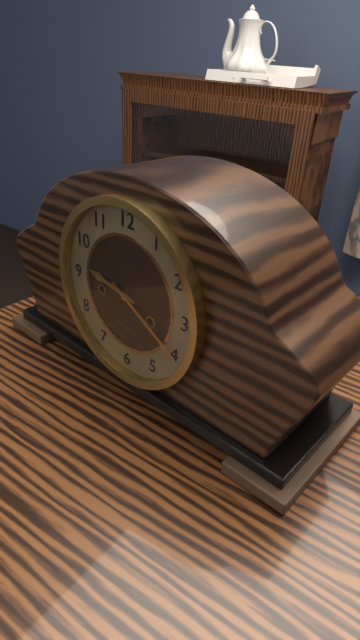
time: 9:20
